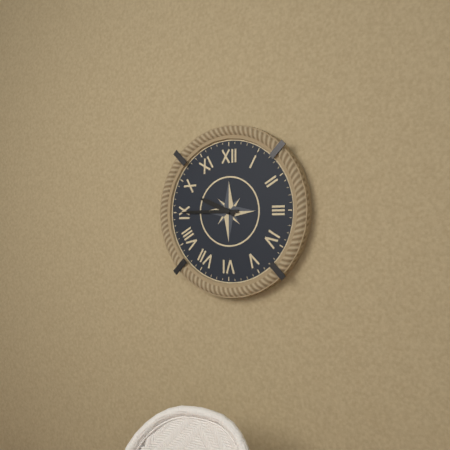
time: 9:45
